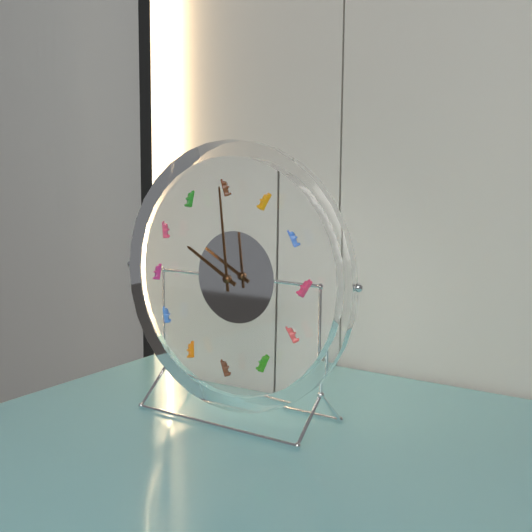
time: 9:59
